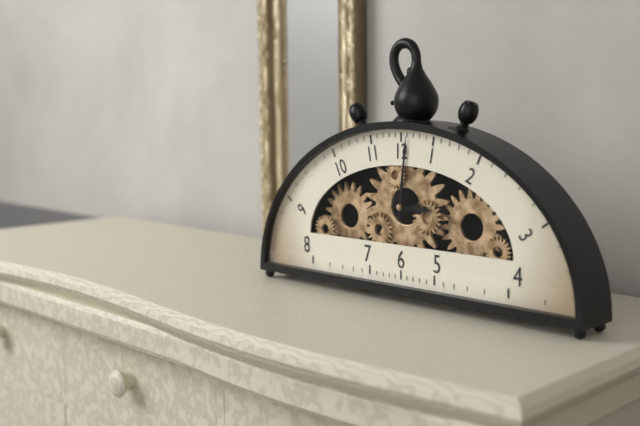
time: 3:01
